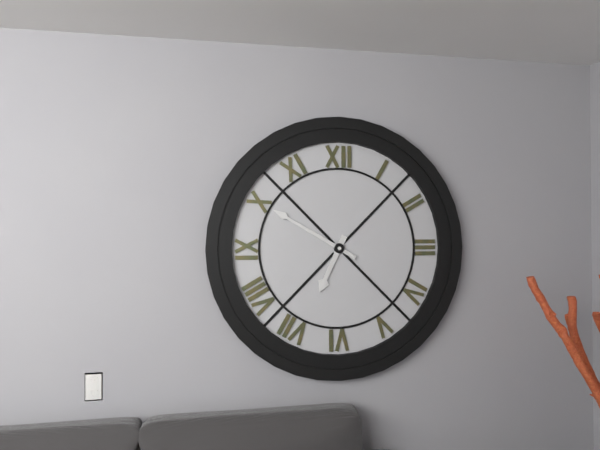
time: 6:50
